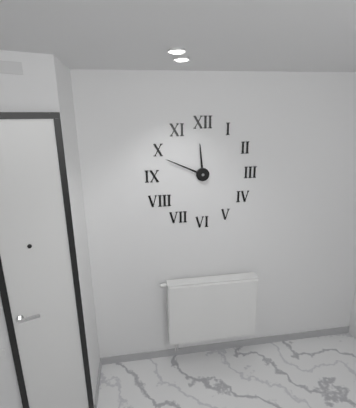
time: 11:49
